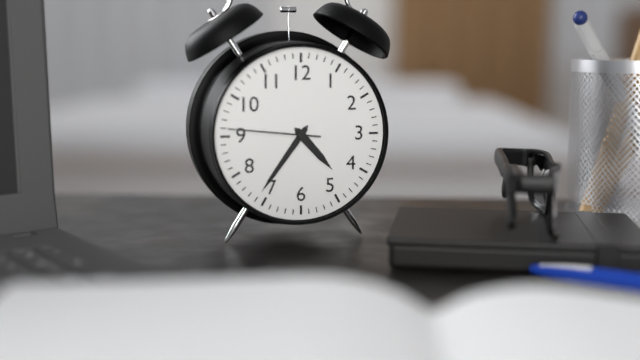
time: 4:36:46
